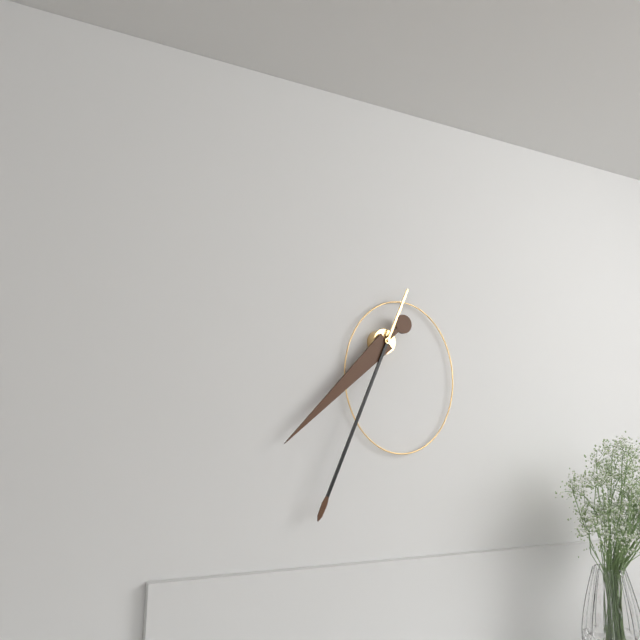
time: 7:34
